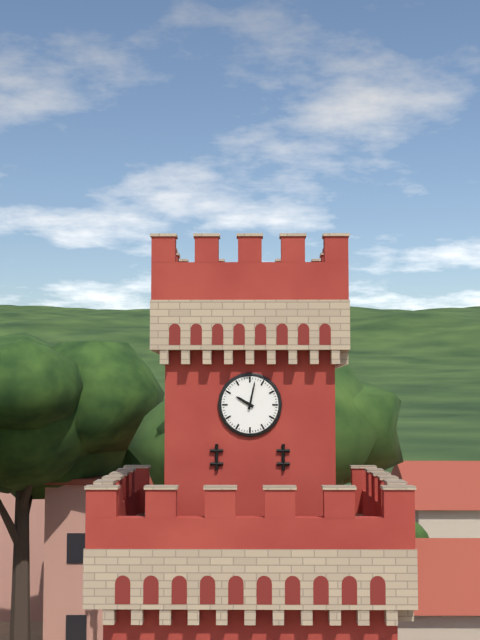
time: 10:02
